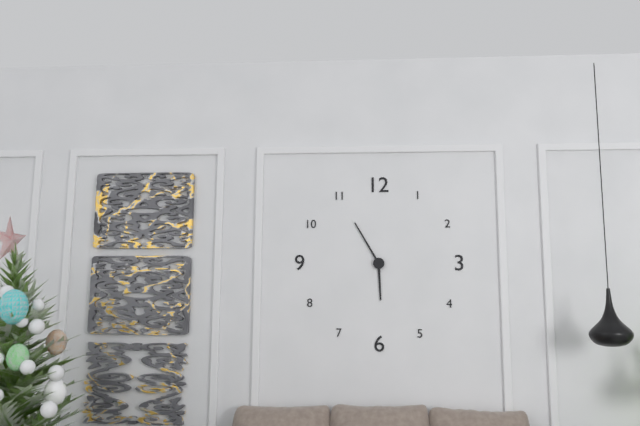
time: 5:55
